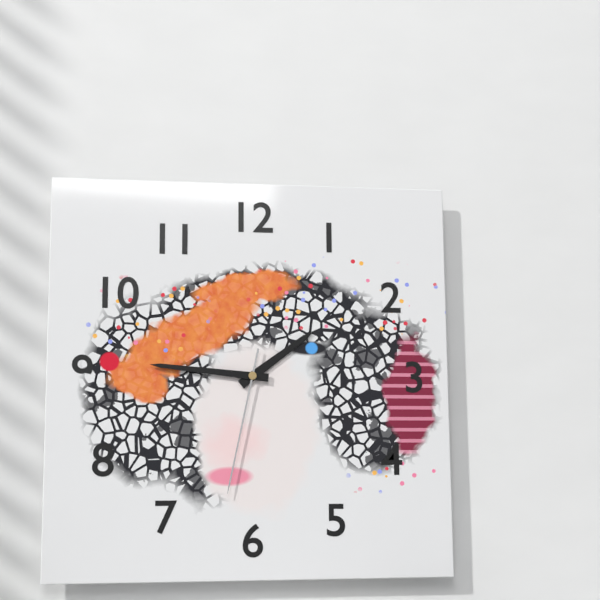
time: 1:46:32
